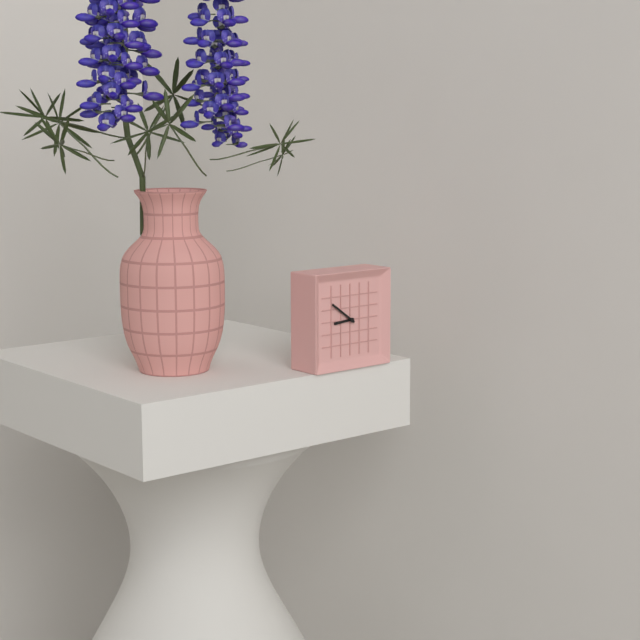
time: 8:51
